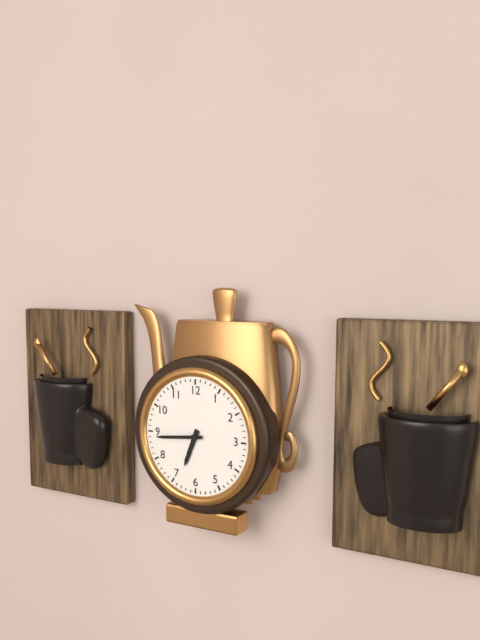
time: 6:44
